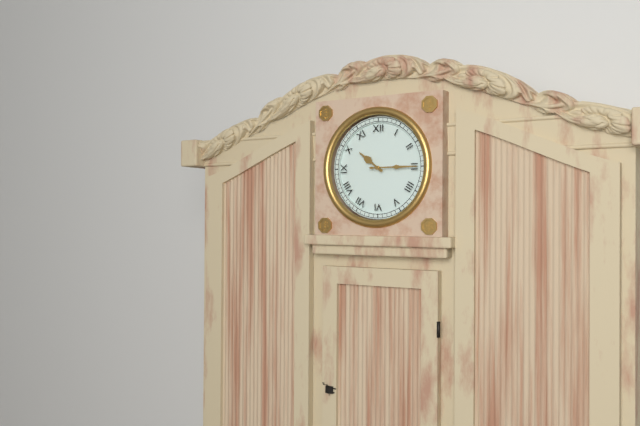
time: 10:15
